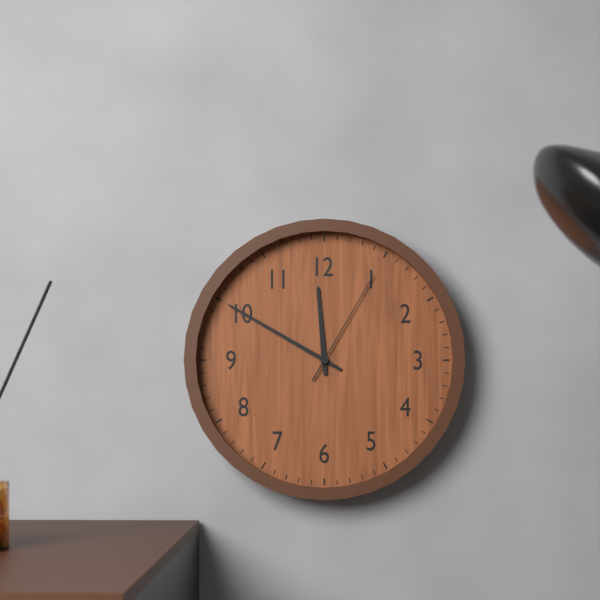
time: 11:50:05
